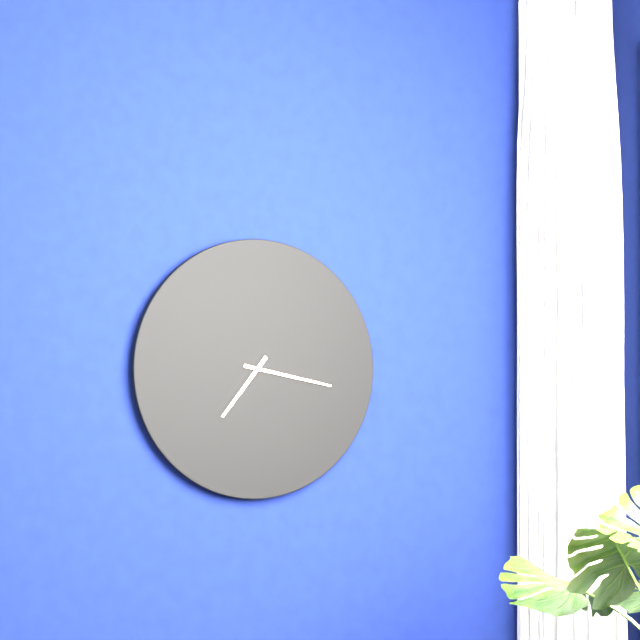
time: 7:17
